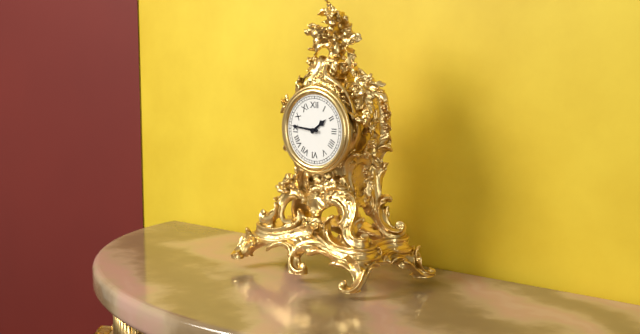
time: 1:46
